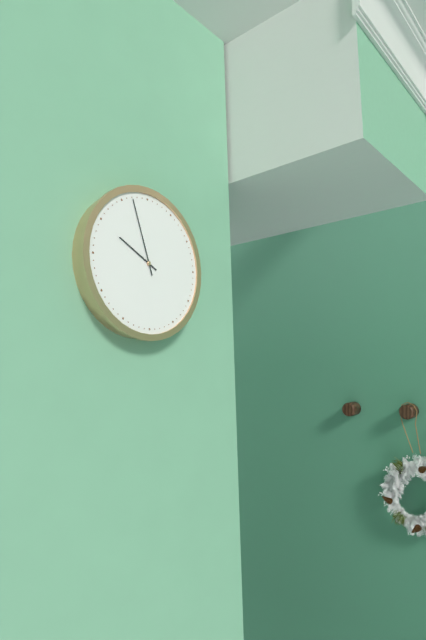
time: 9:57
